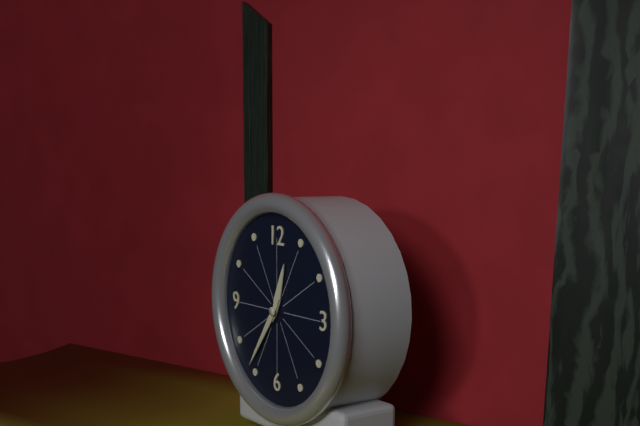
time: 12:36
